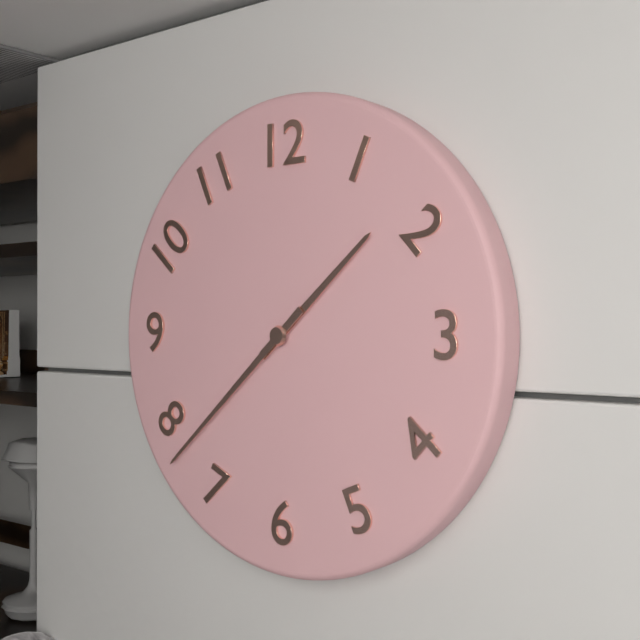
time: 1:38
